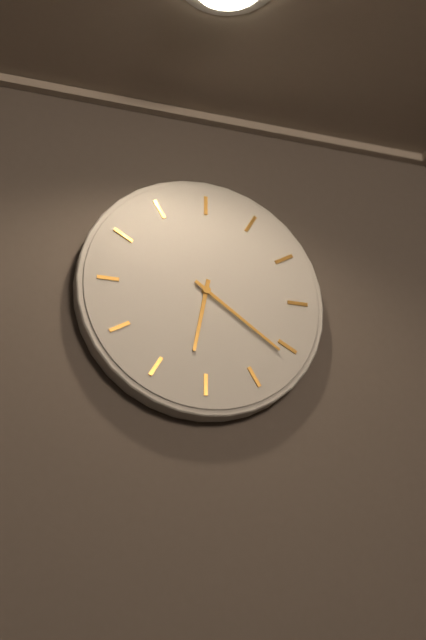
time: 6:21
